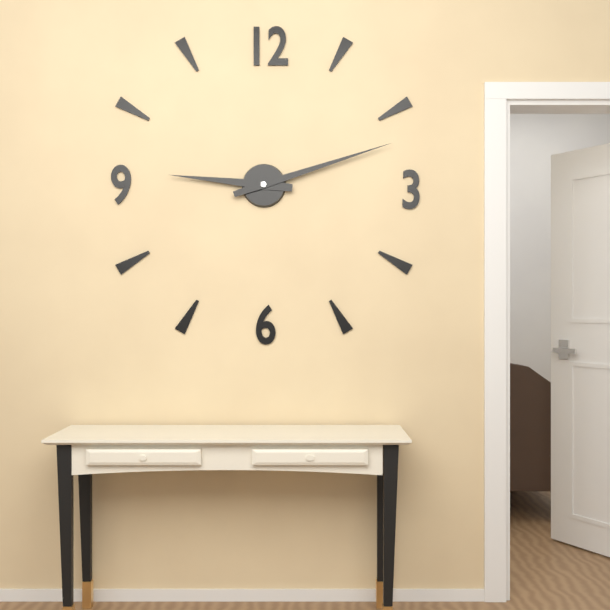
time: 9:12
